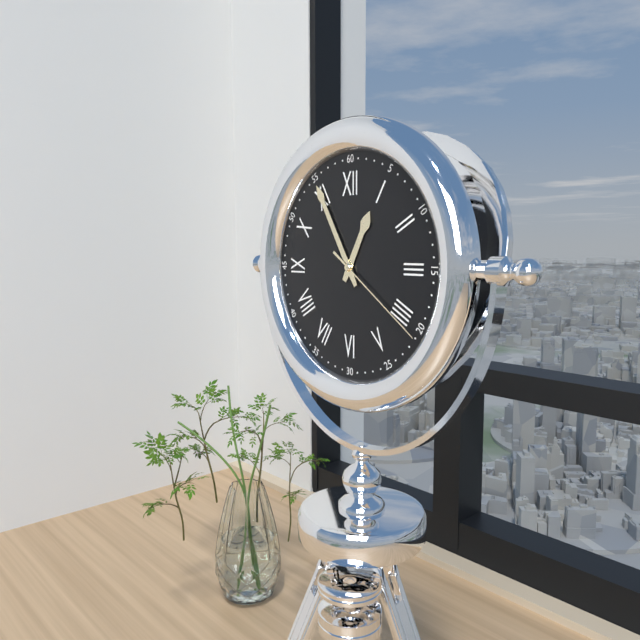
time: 12:55:21
